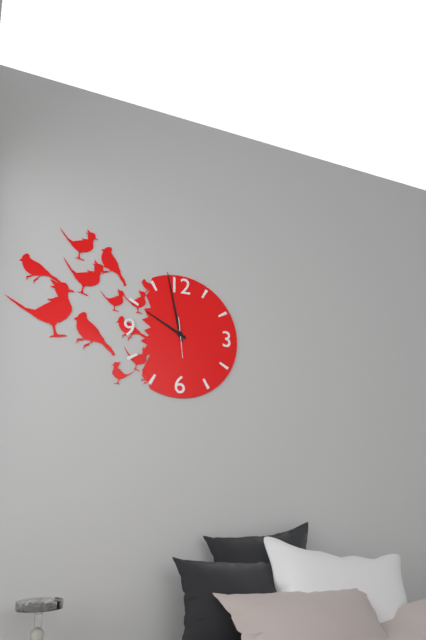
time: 9:58
